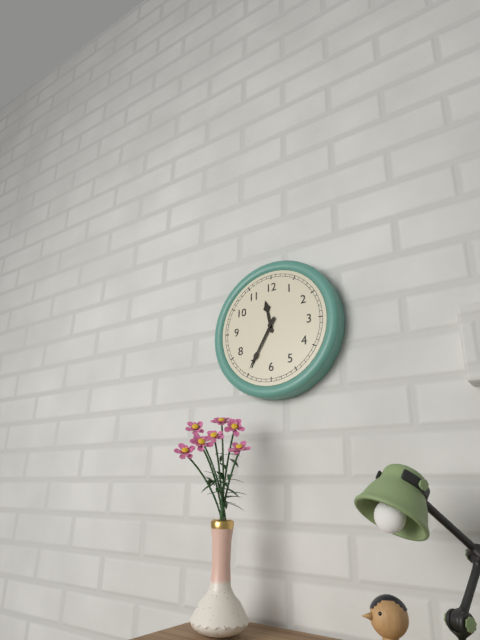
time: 11:35
